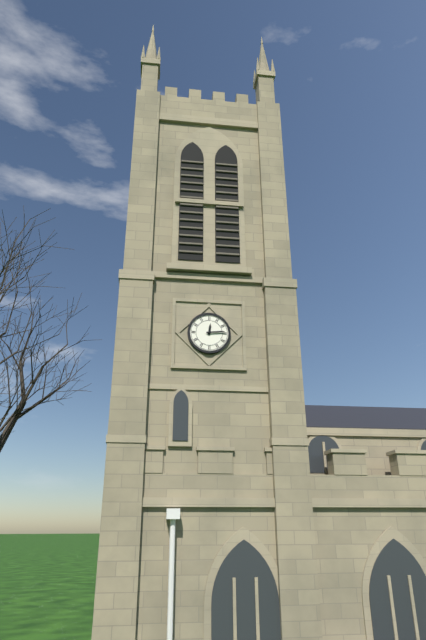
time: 12:14
